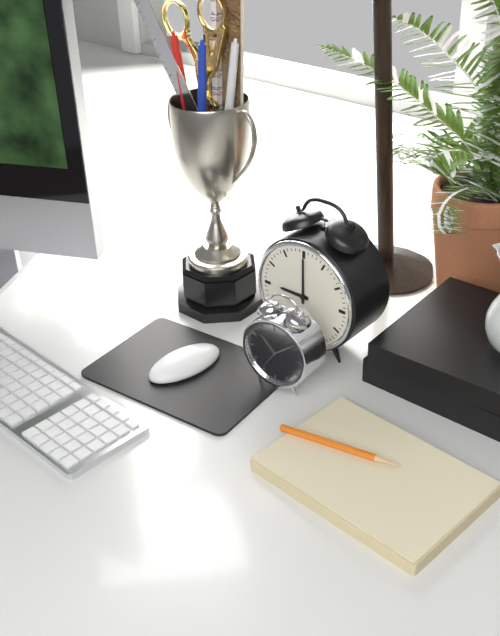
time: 9:00
